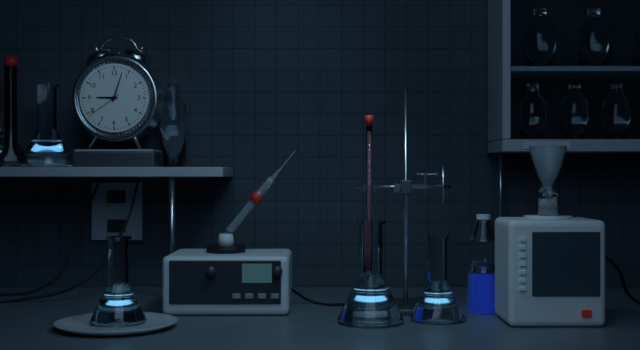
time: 9:03
